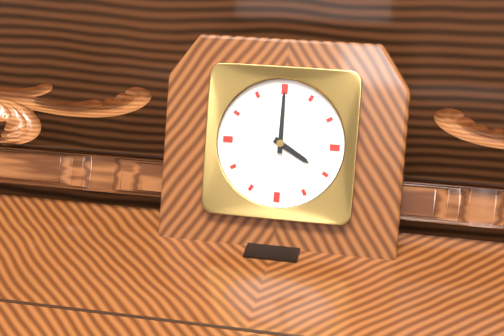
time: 4:00
